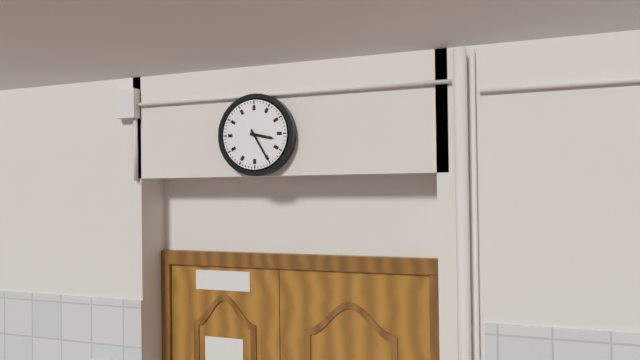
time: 3:25
